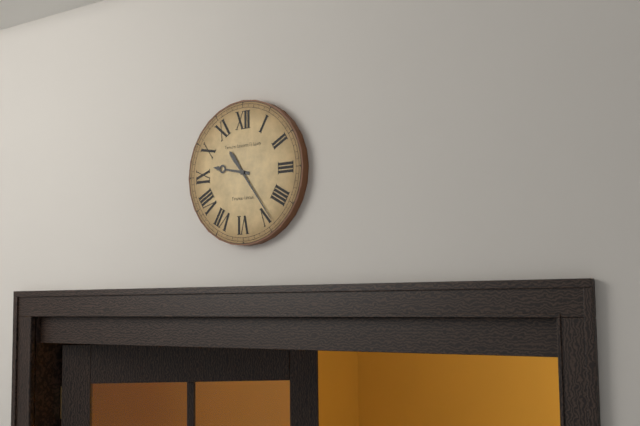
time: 9:24
